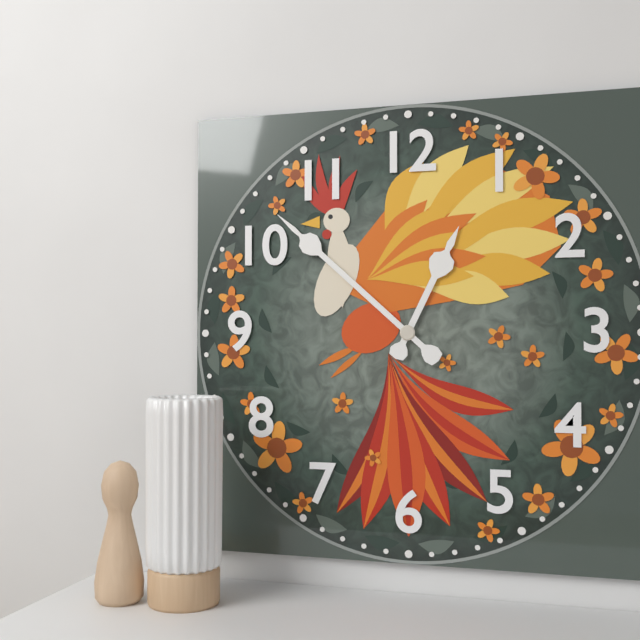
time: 12:52
